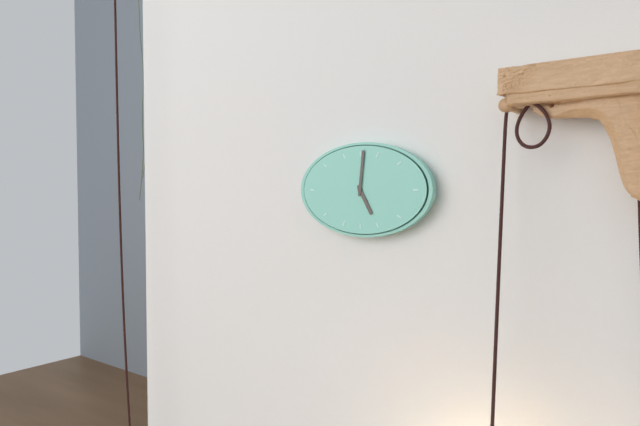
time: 5:01
